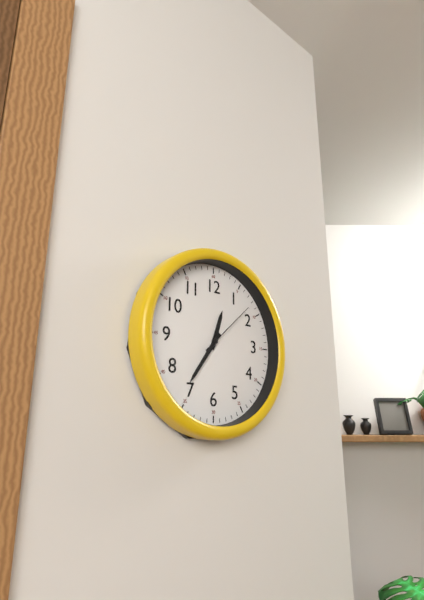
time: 12:36:08
